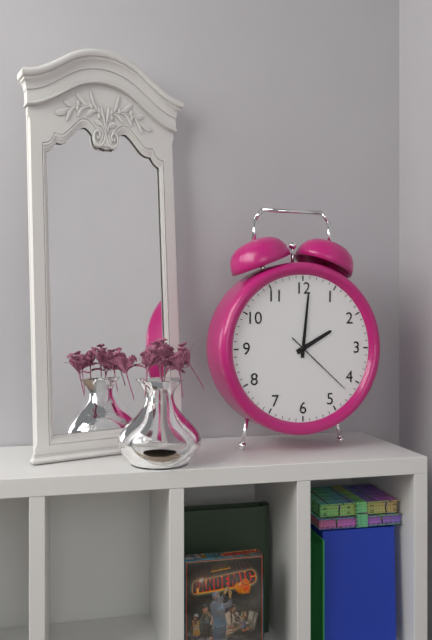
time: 2:01:22
